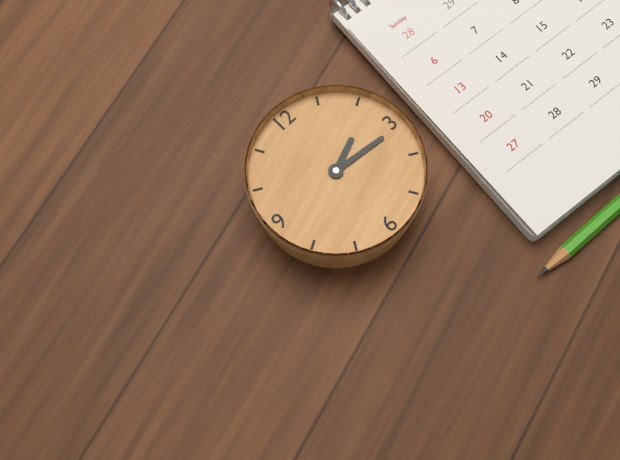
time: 2:16
